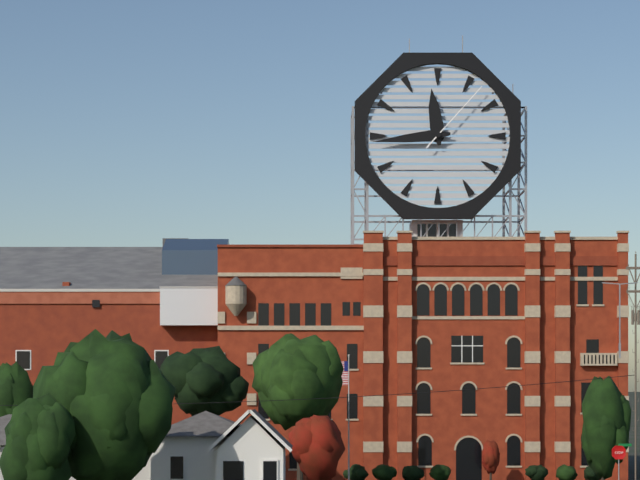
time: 11:44:07
